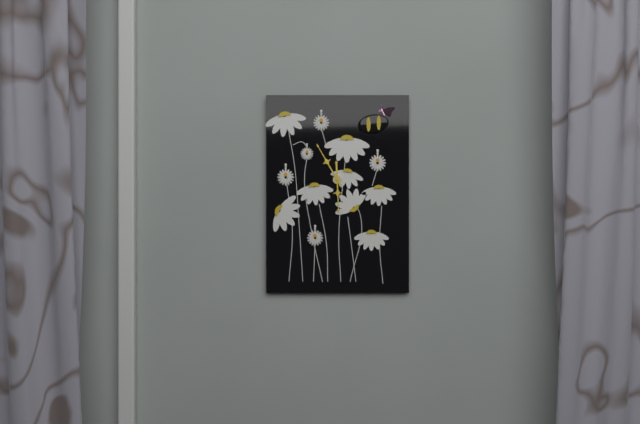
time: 5:55
